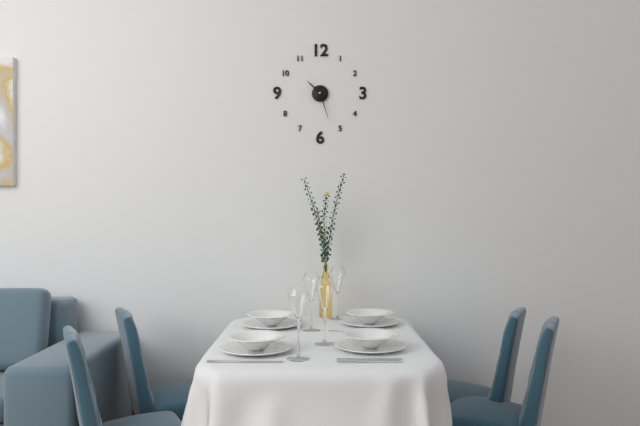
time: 10:27
